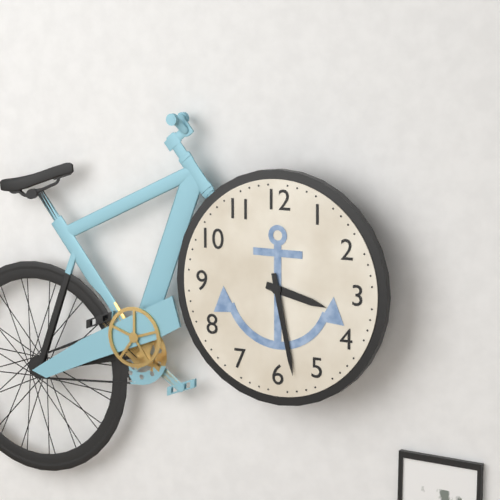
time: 3:28
